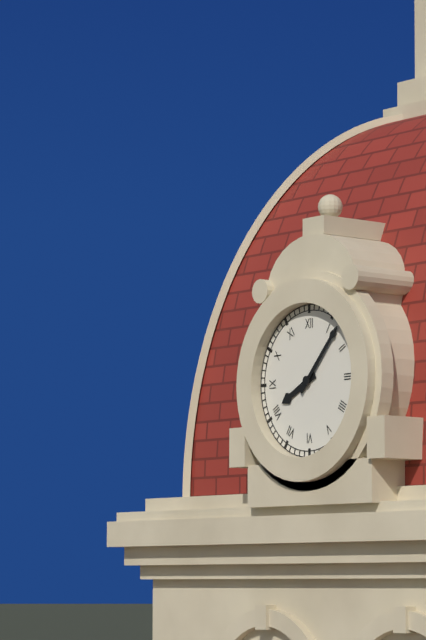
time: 8:07
